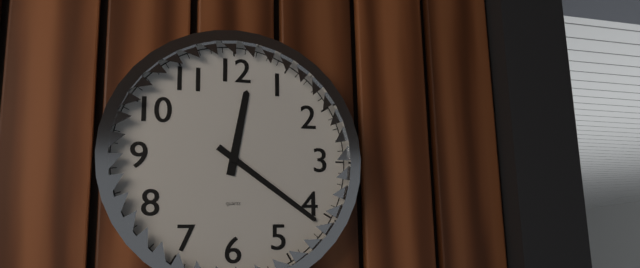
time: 12:21
